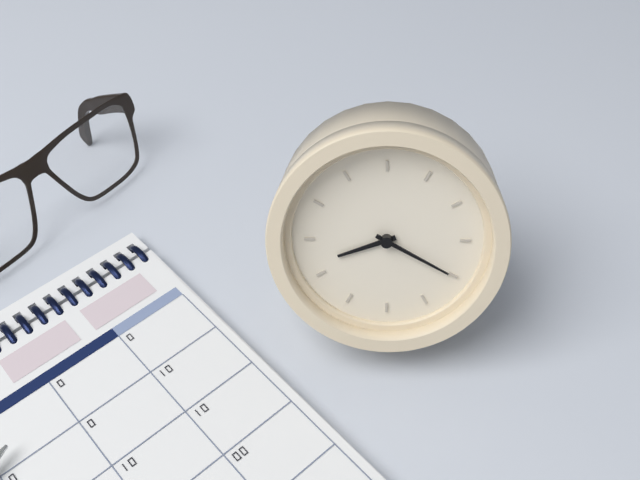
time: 8:20
